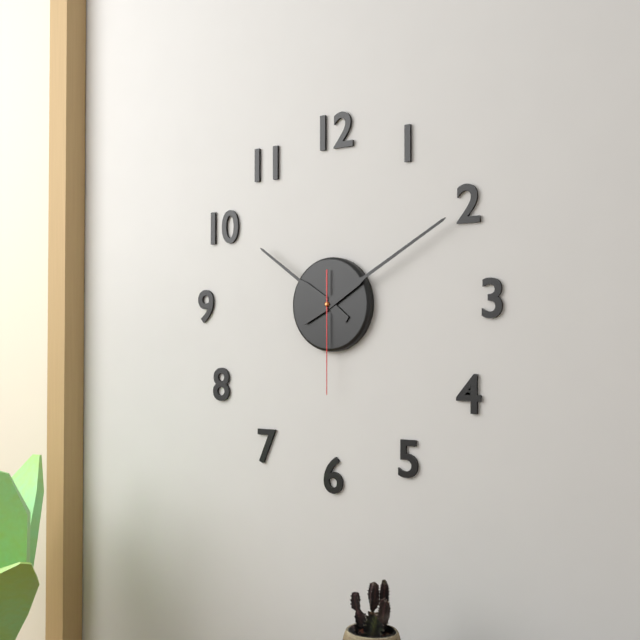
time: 10:10:30
